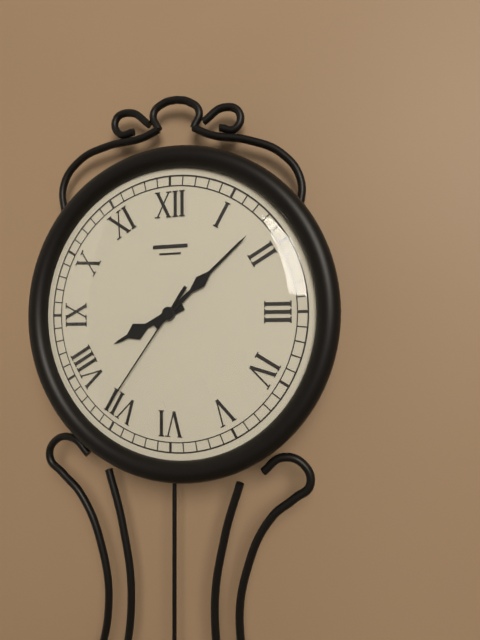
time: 8:08:36
